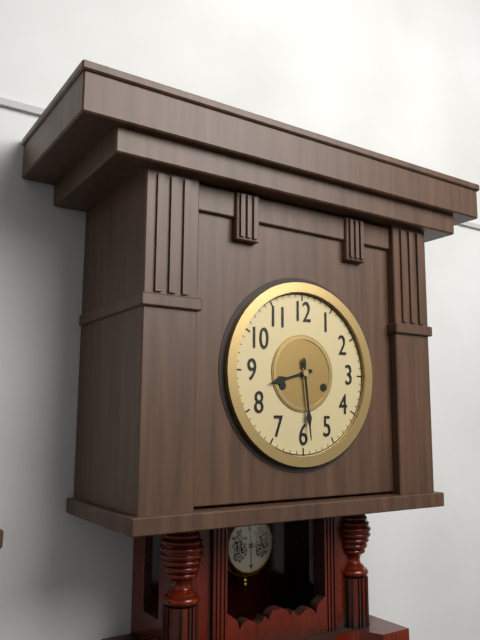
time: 8:29
